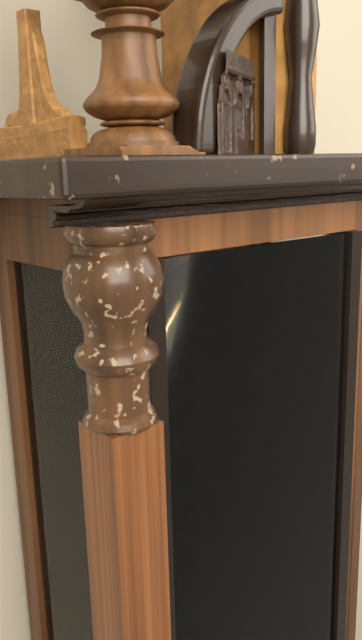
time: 9:58
